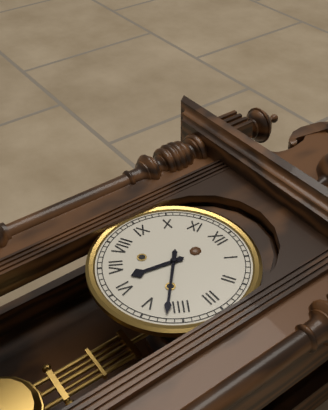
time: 6:22
